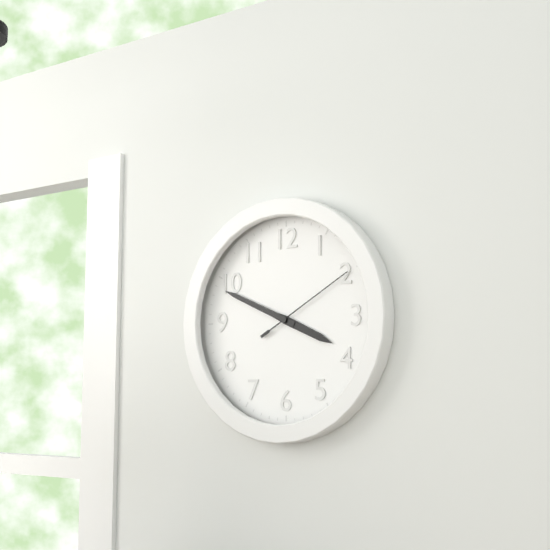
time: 3:49:10
